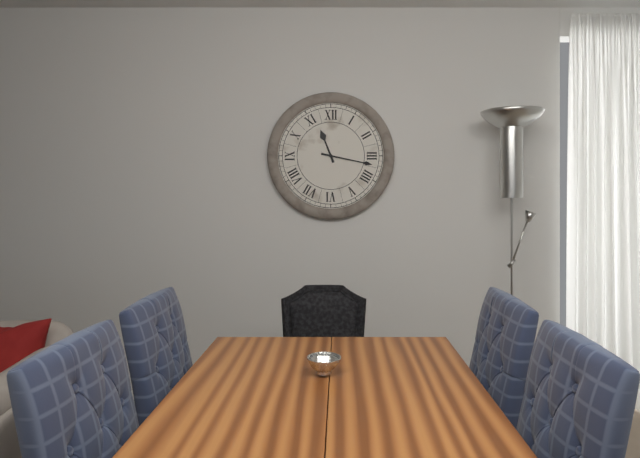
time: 11:17
